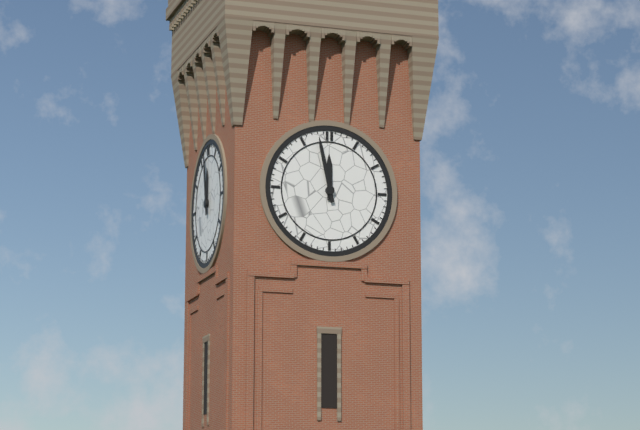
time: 11:58
